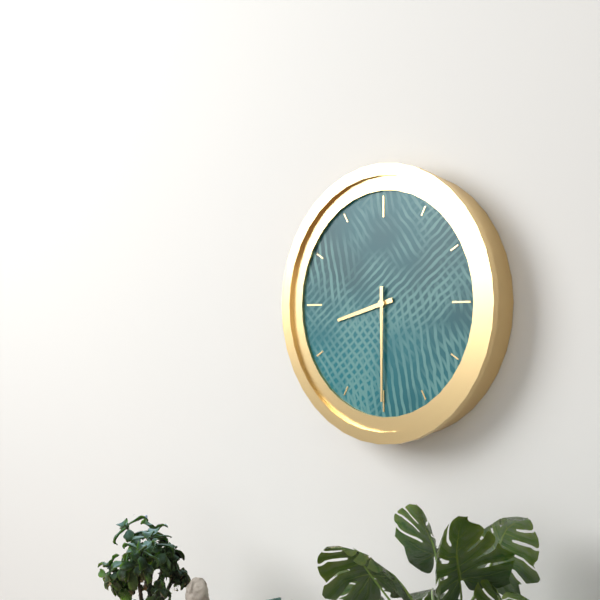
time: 8:30
